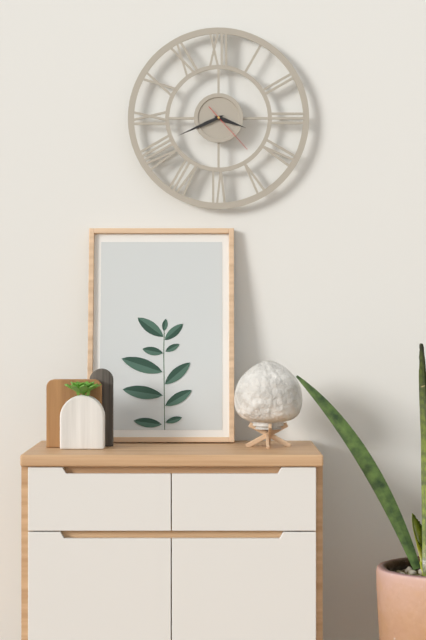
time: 3:41:23
